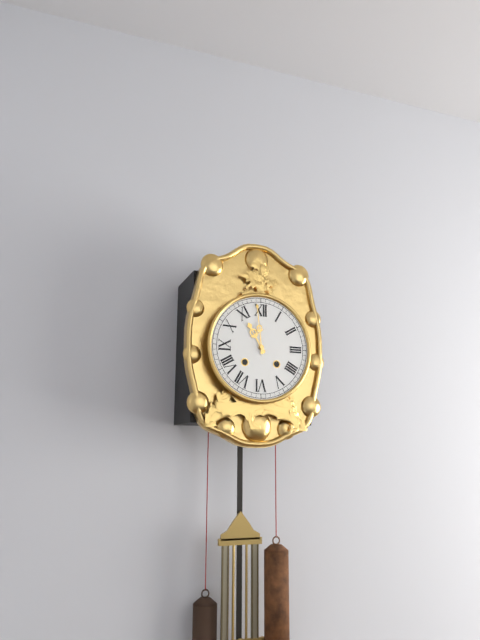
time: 10:59
